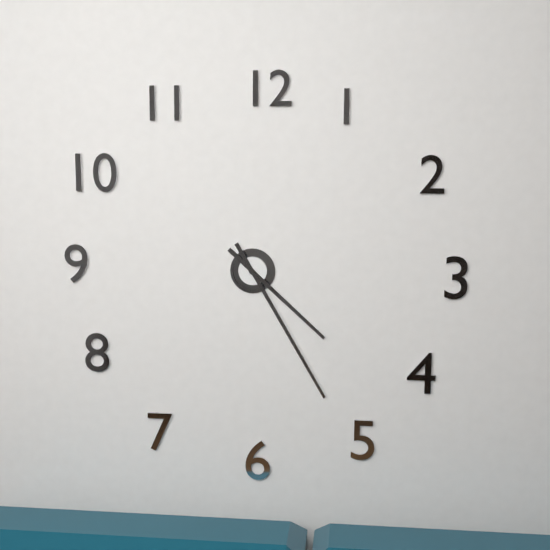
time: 4:25
